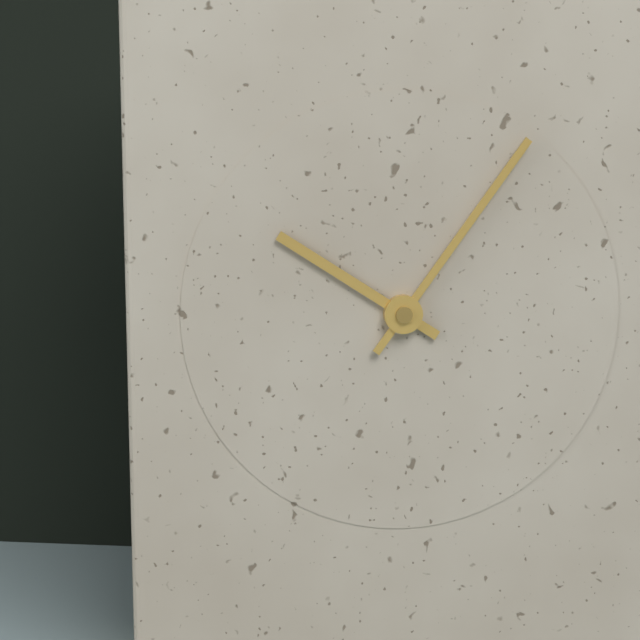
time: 10:06
